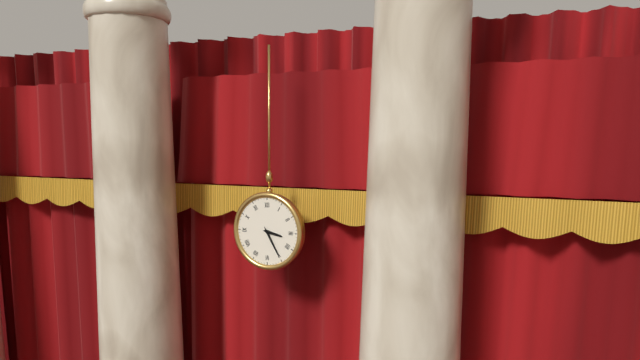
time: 3:25
